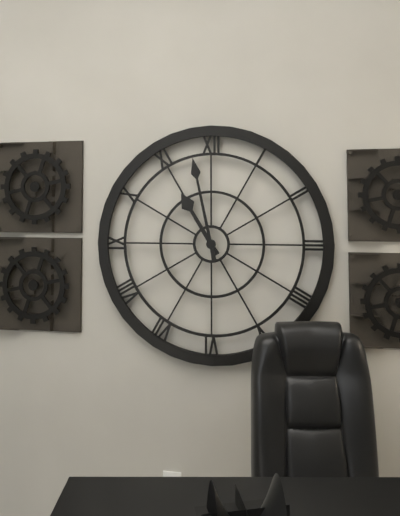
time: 10:58
